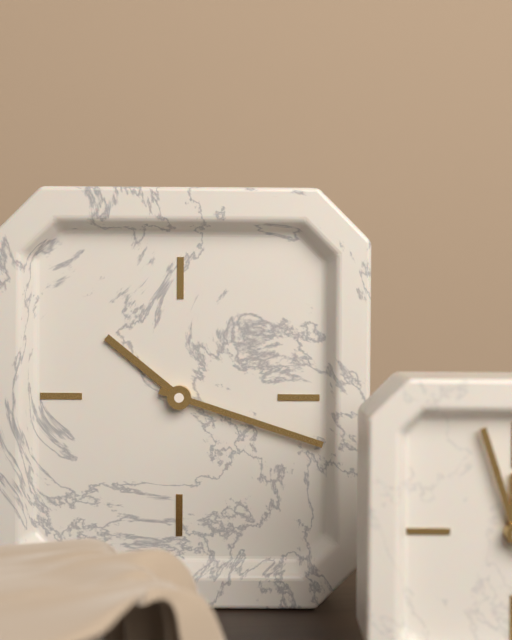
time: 10:18
